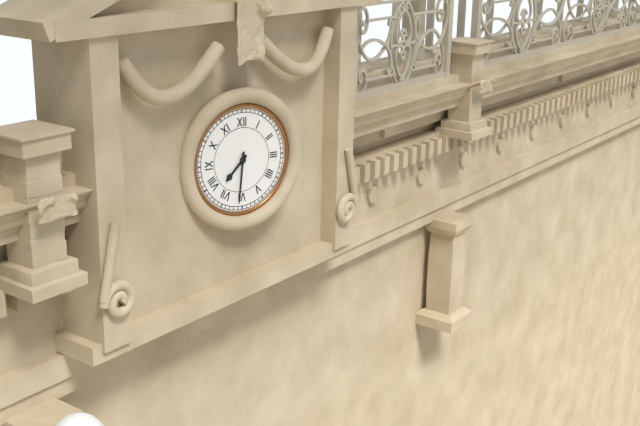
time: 7:31
